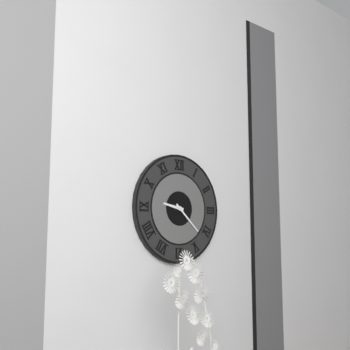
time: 9:22
